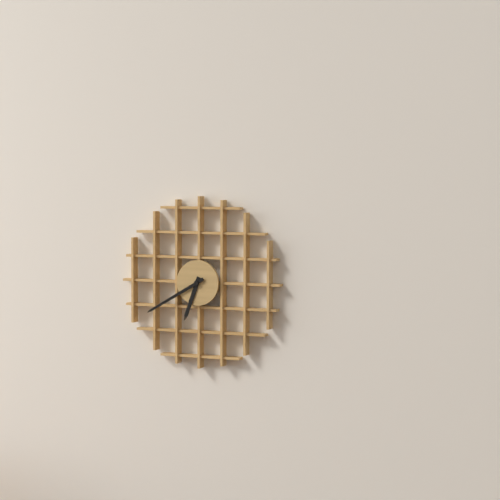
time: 6:40
